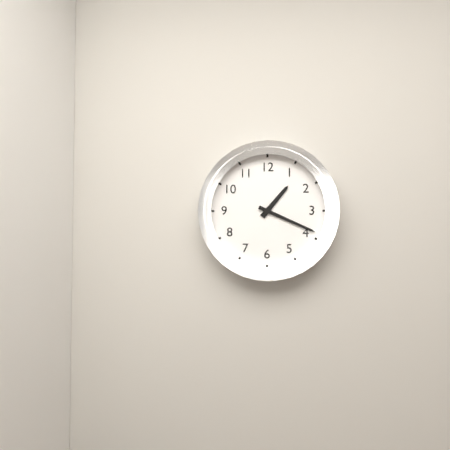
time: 1:19
